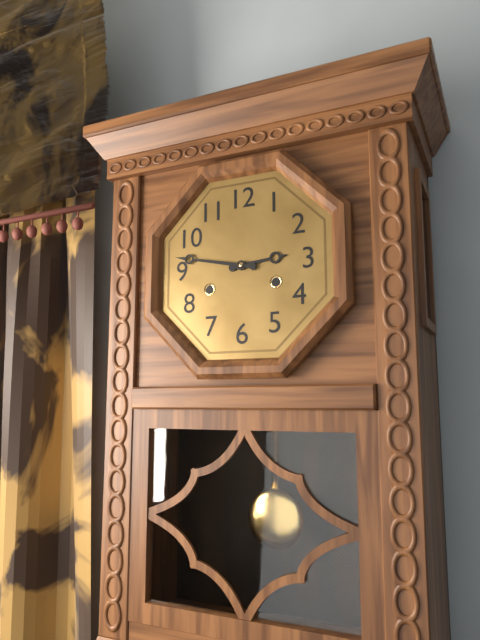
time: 2:47
